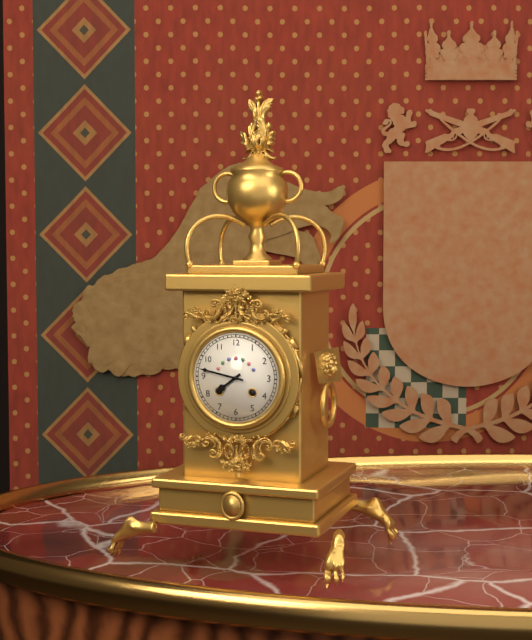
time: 7:47
